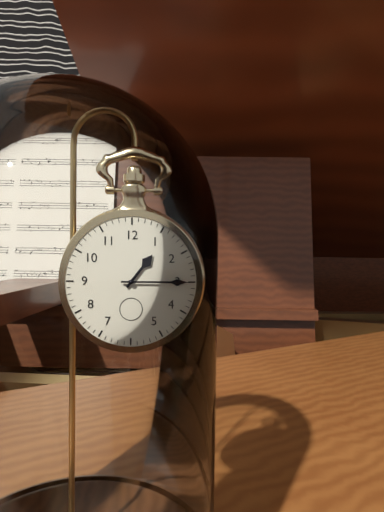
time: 1:15
